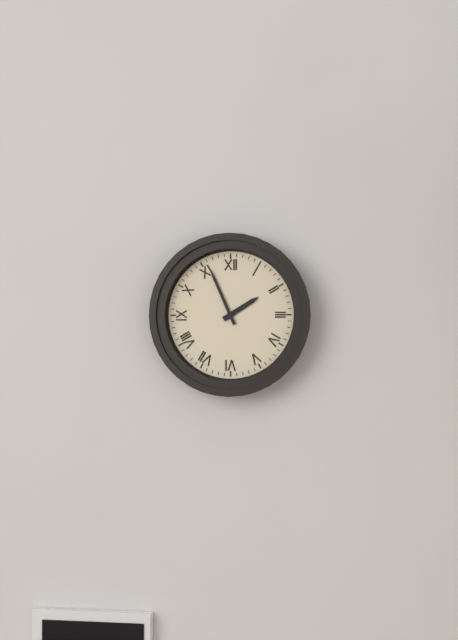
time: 1:56
